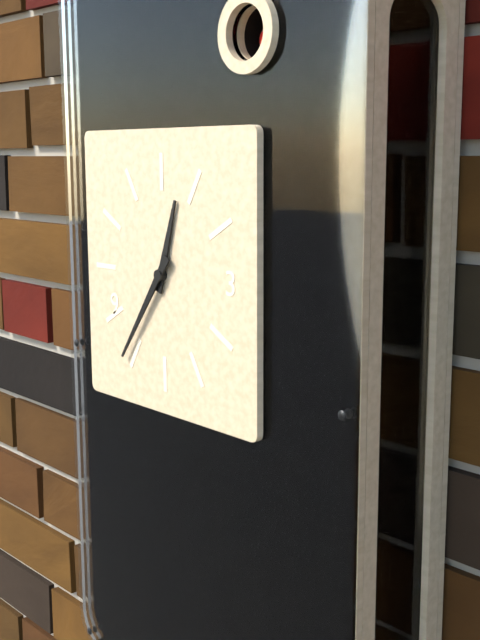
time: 12:36
